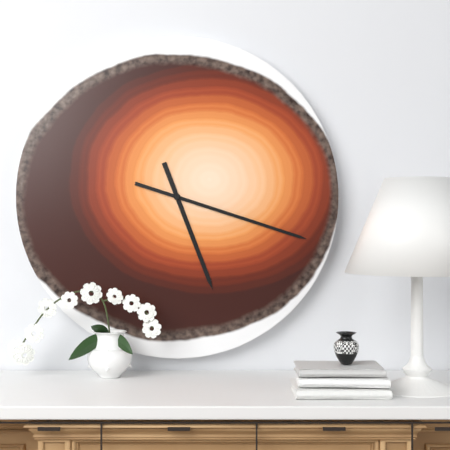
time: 5:18
